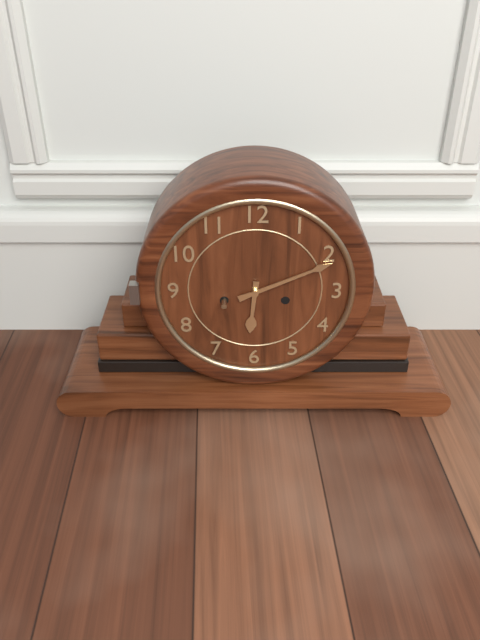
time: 6:11
